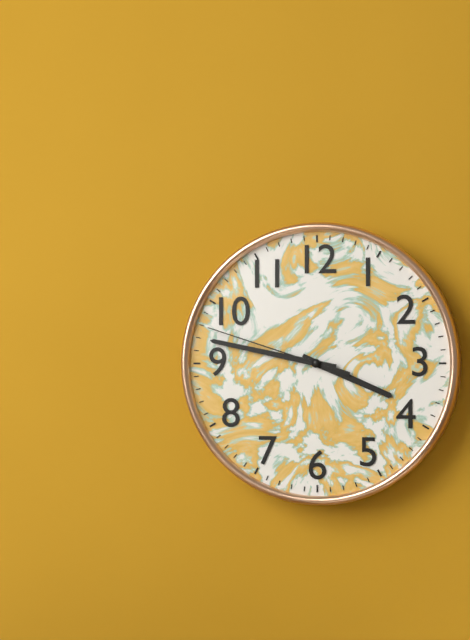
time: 3:47:48
